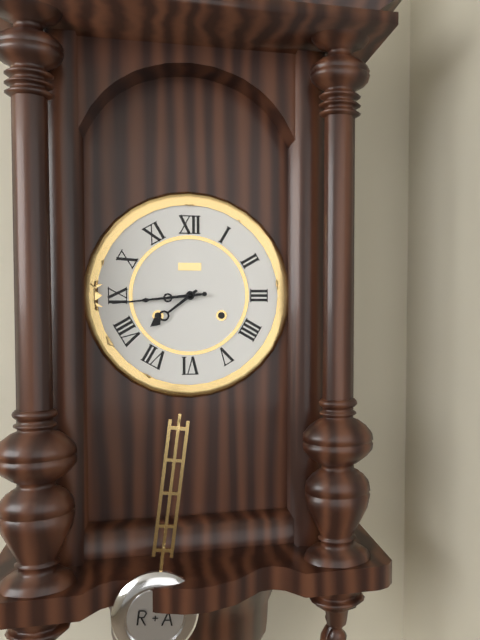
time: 7:44
